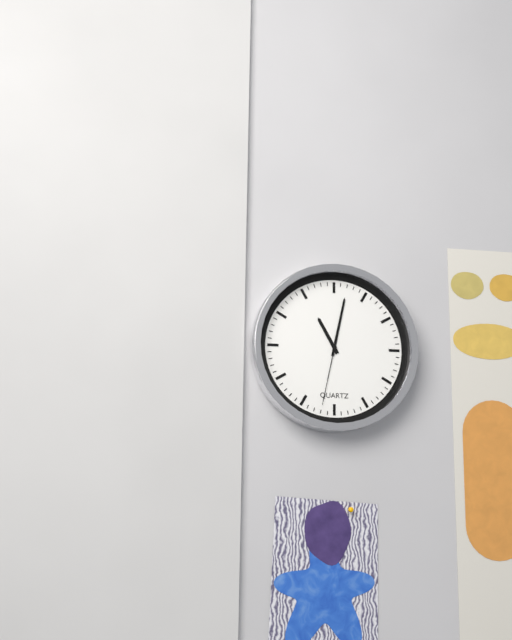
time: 11:02:32
